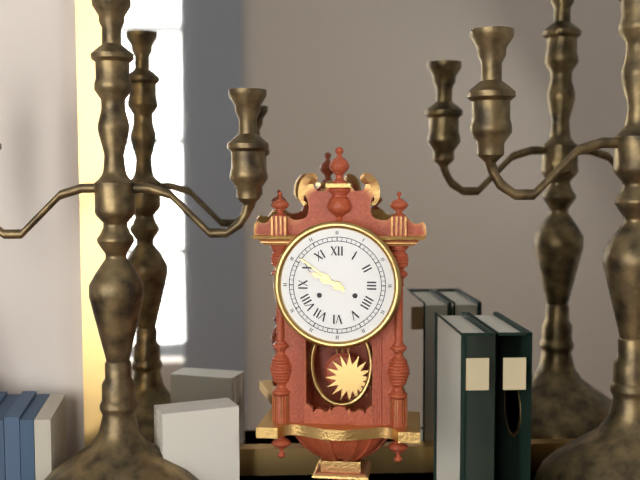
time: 9:51
